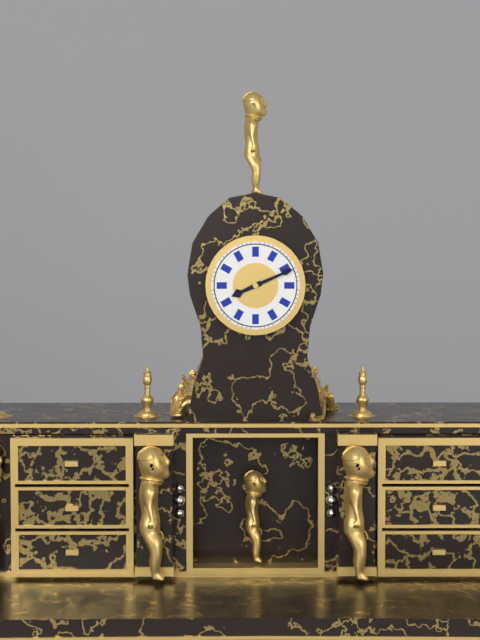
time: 8:11
